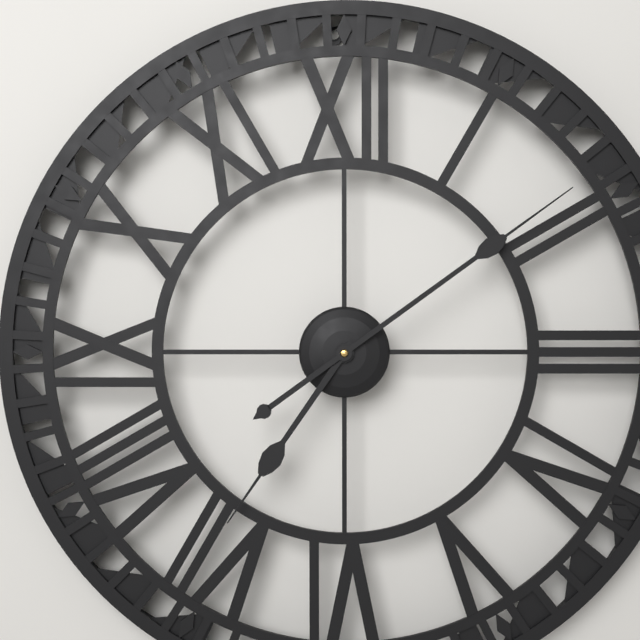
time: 7:09
